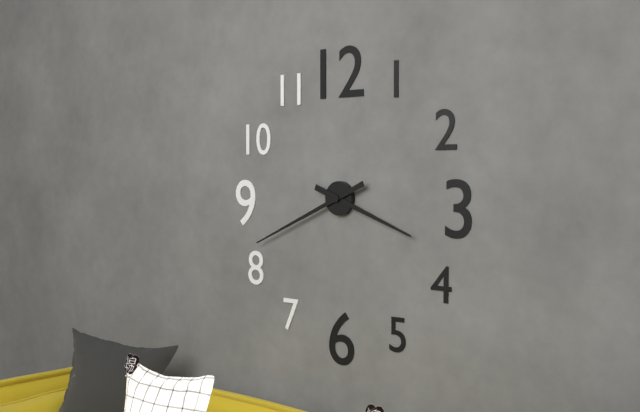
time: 3:41
